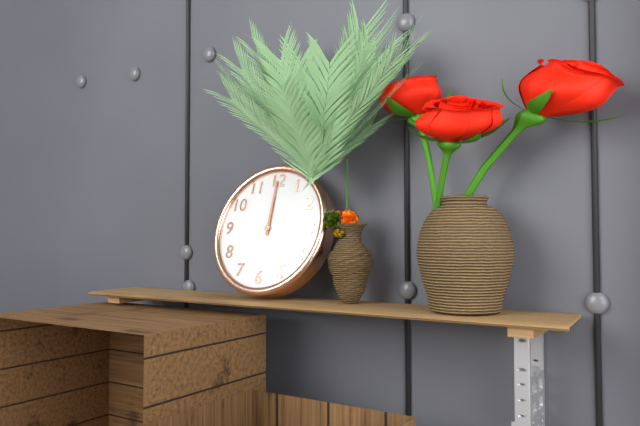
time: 12:00
